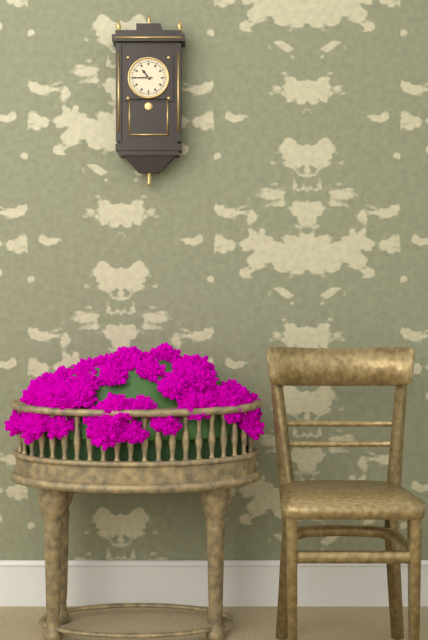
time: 10:45
